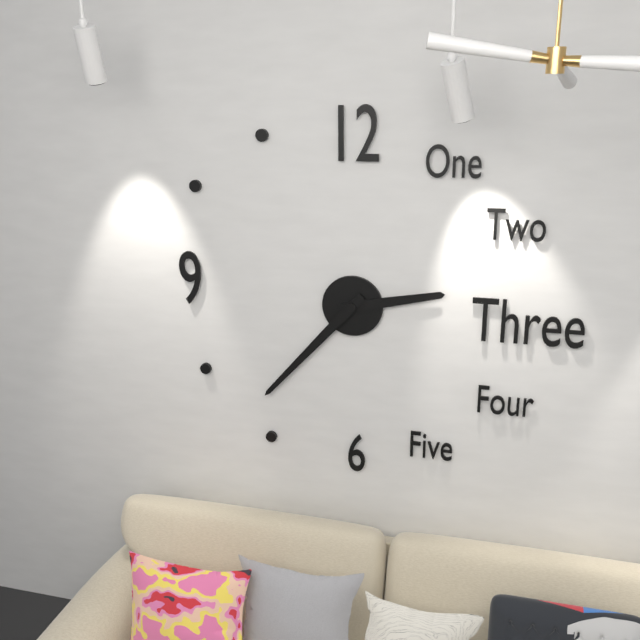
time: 2:37
